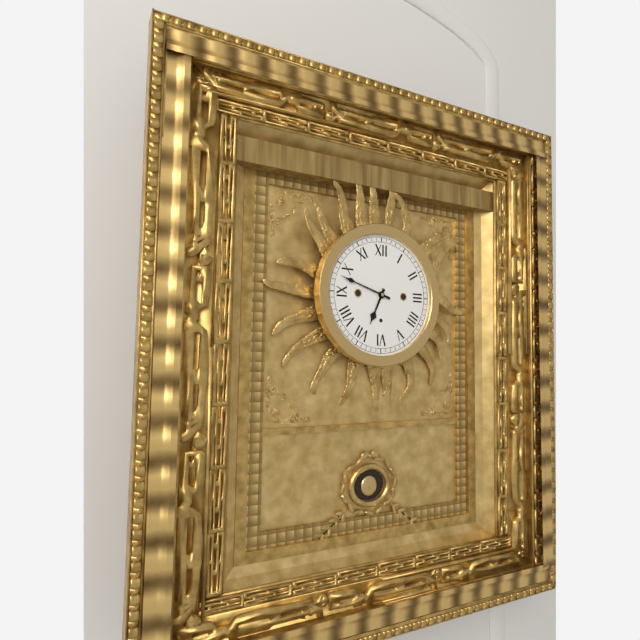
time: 6:48
